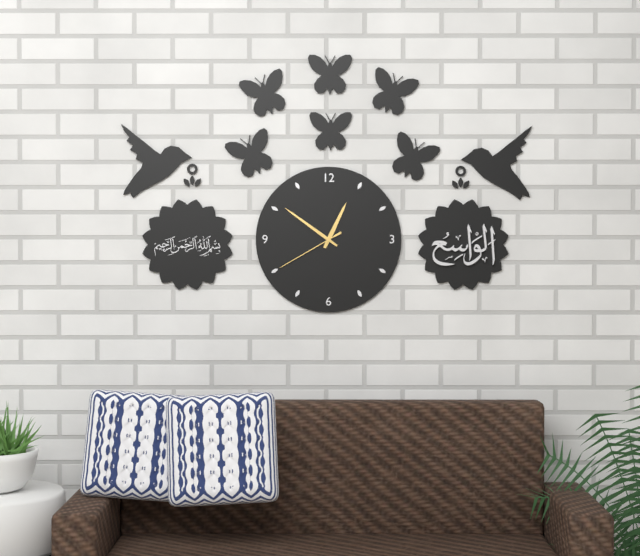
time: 12:51:40
